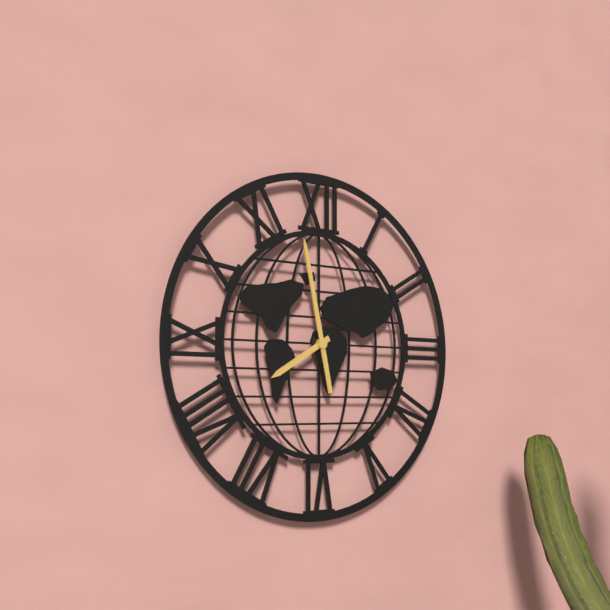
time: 7:58
